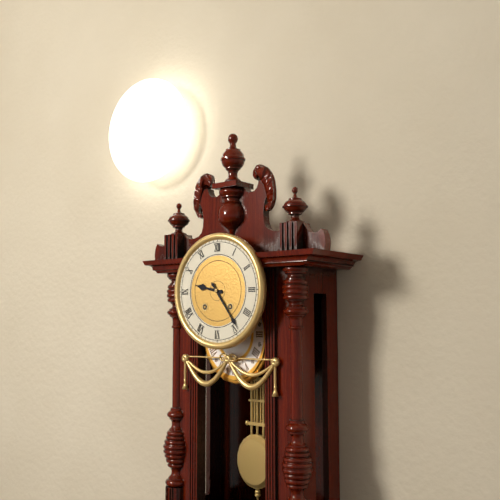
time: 9:24
